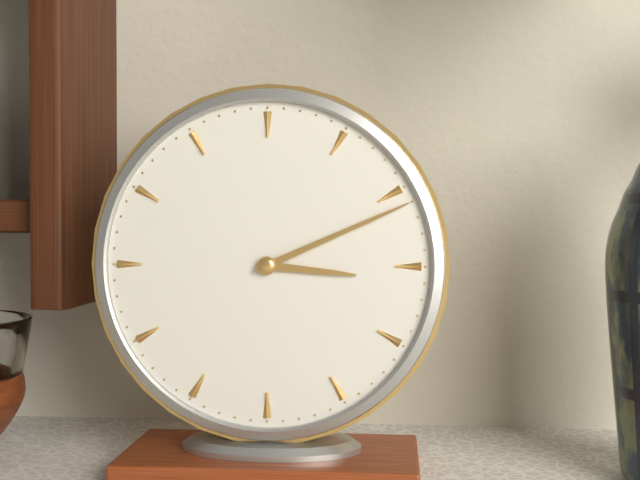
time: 3:11
